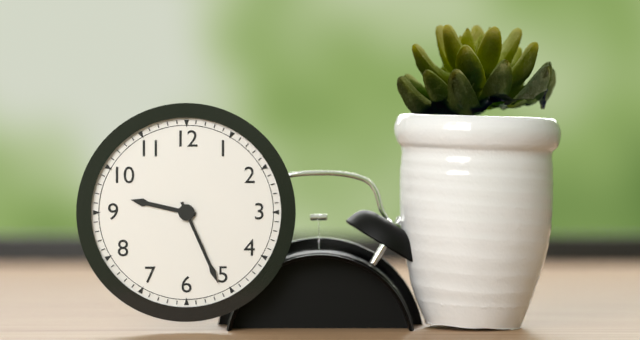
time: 9:26
